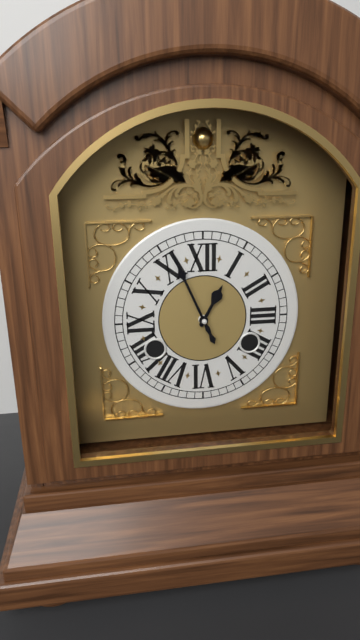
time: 12:56
